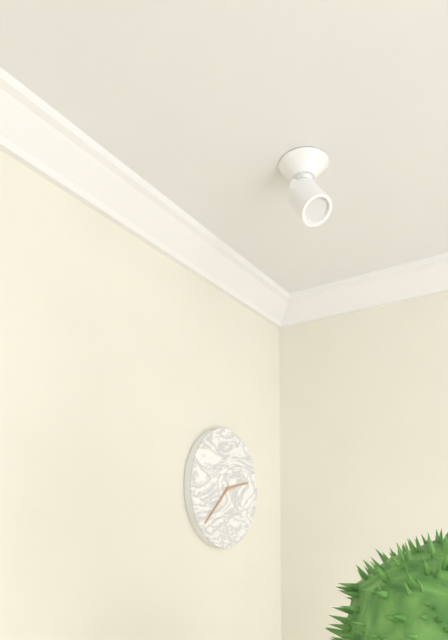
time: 2:38
